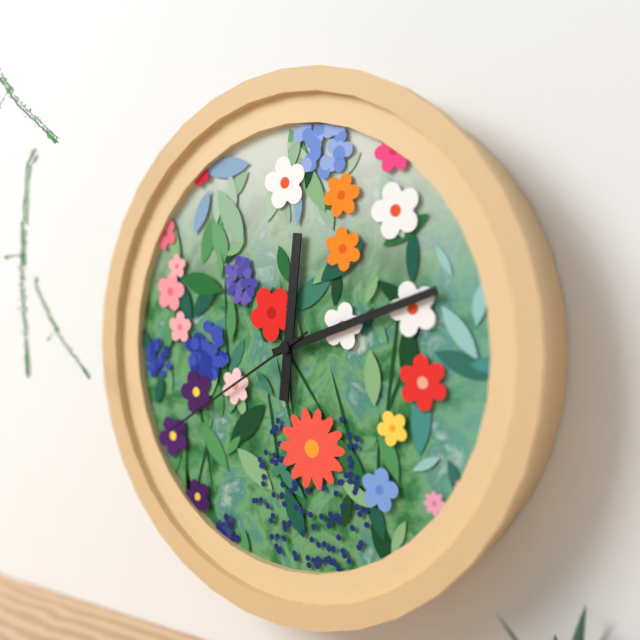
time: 12:12:40
